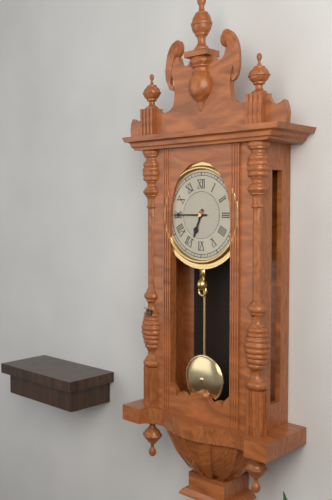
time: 6:45
